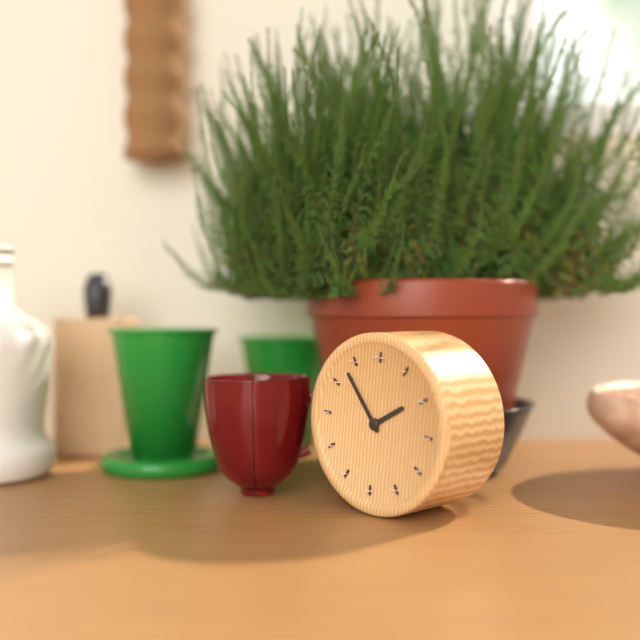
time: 1:53
